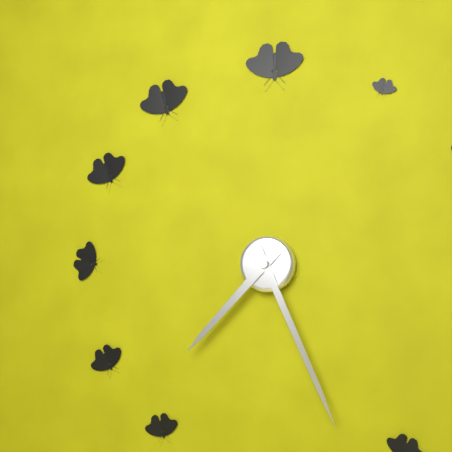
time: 7:26
